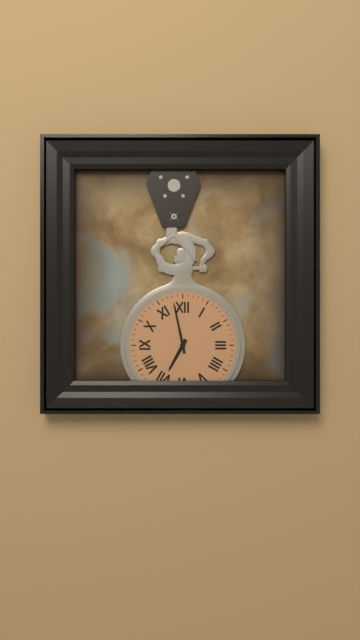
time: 6:58
